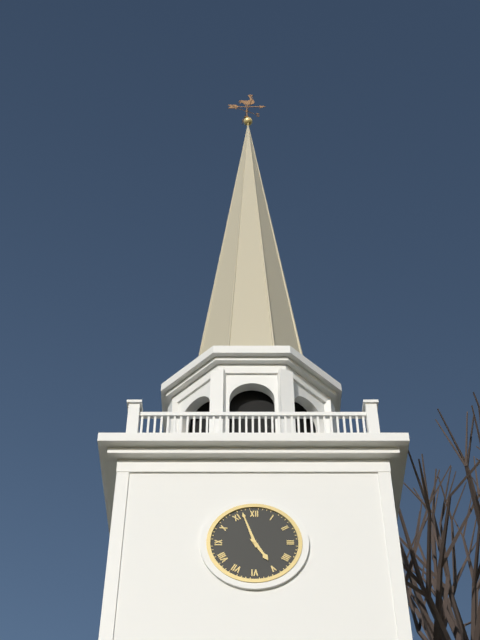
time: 4:57
